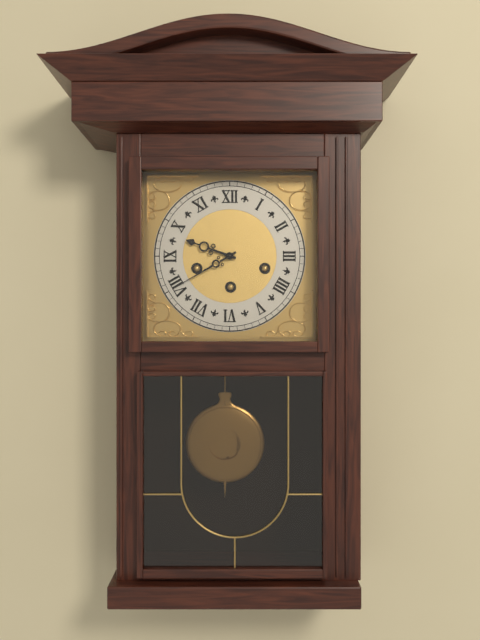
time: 9:40
